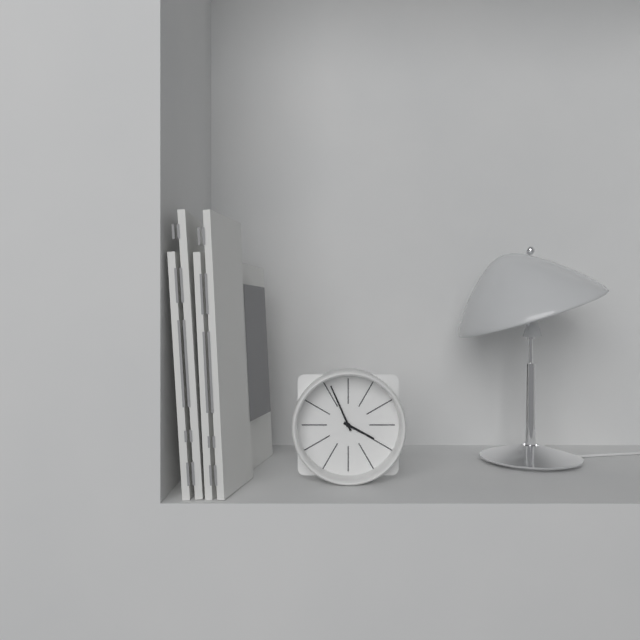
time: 3:56
